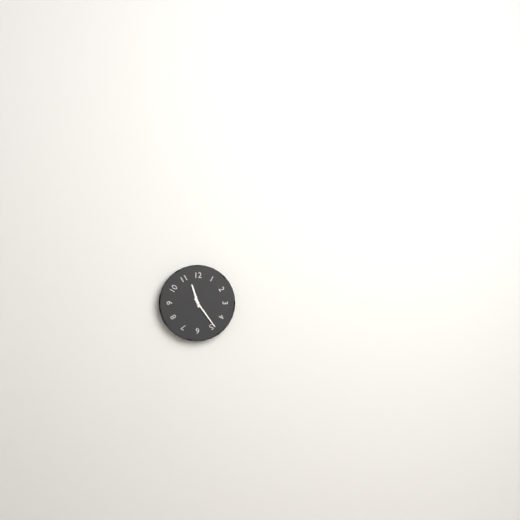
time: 11:24
